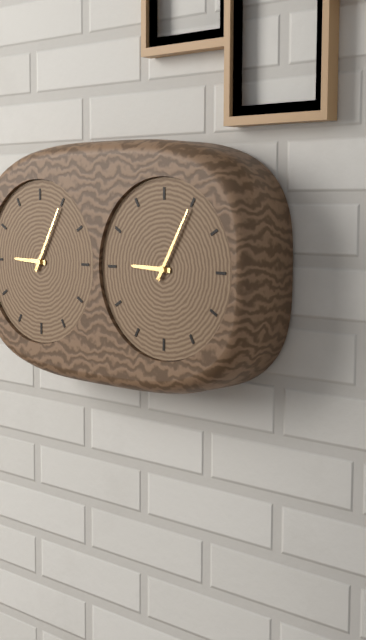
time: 9:05
